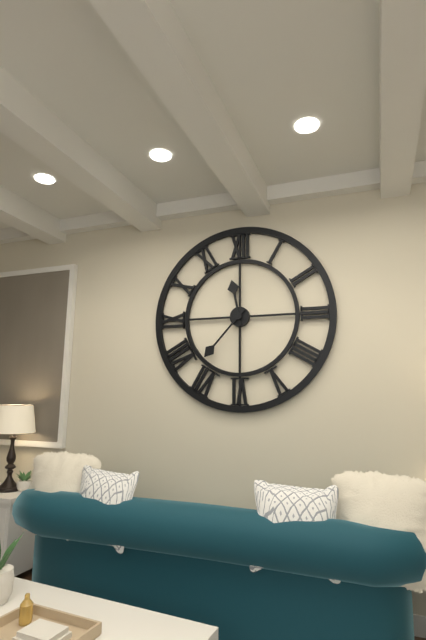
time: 11:37
